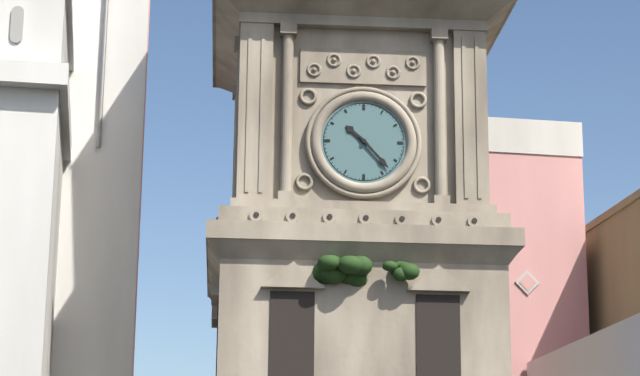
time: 10:23
